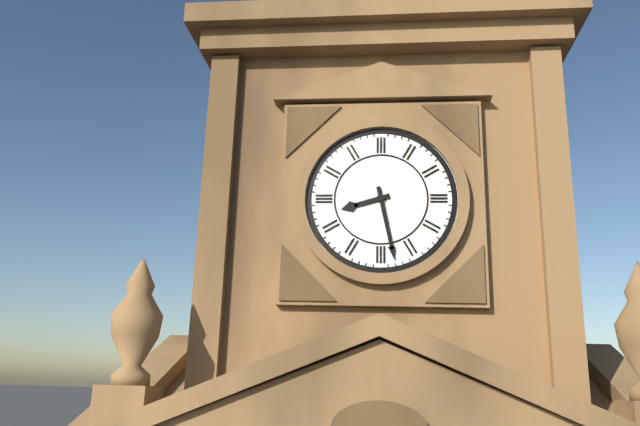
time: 8:28
